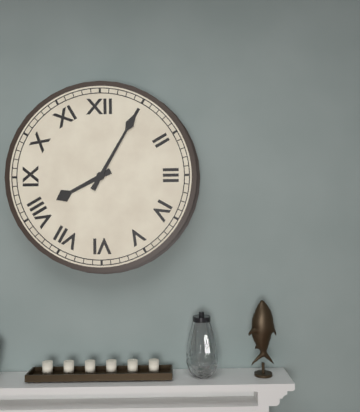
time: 8:05
